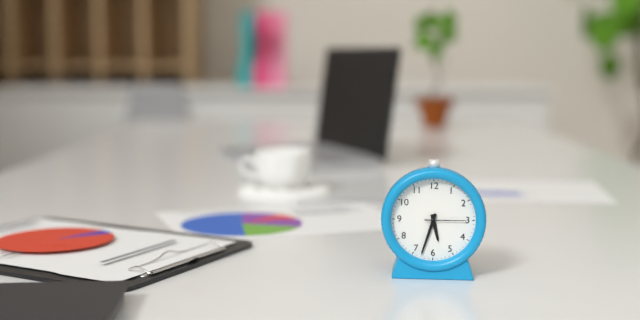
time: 5:33
